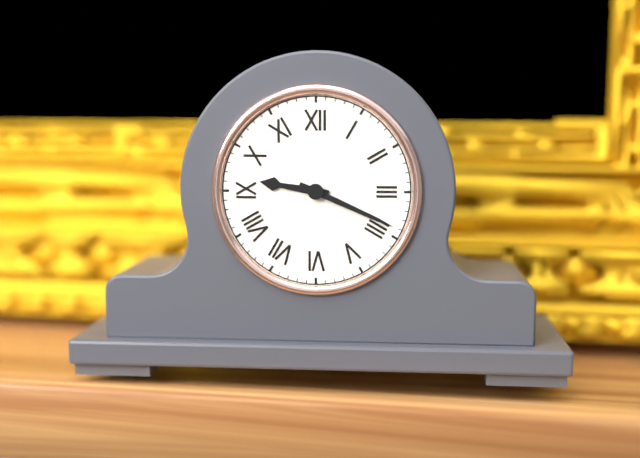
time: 9:19
